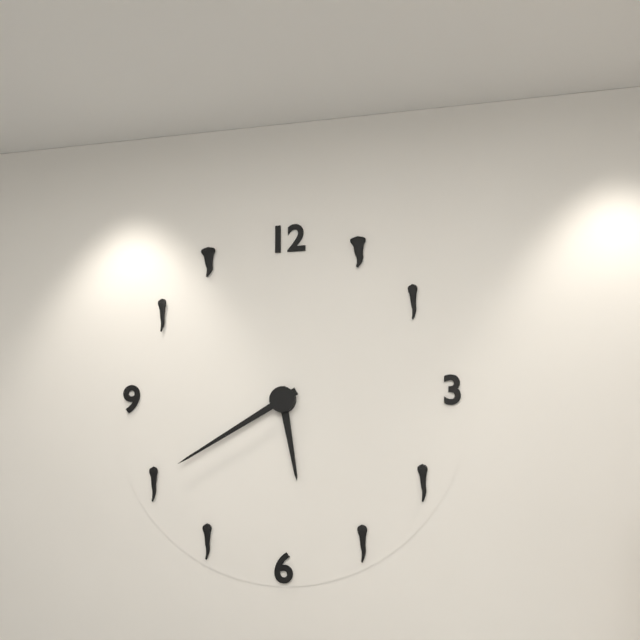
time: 5:40
